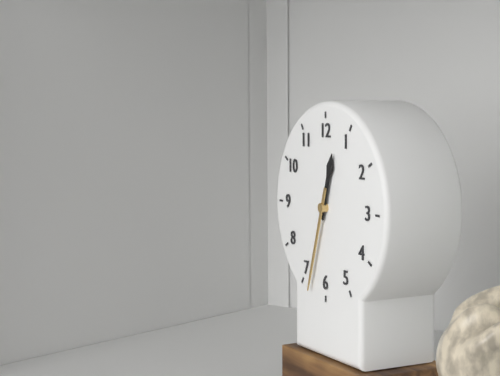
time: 12:33
